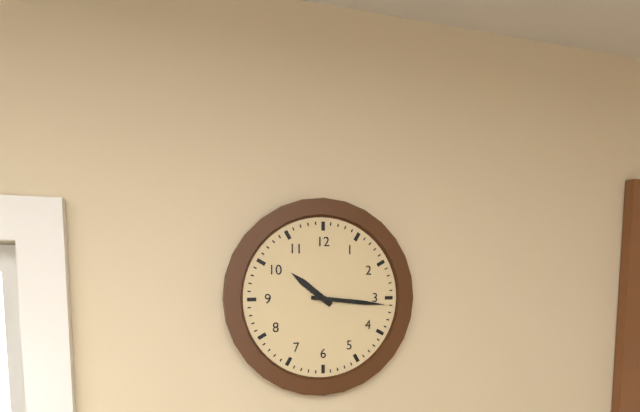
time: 10:16
